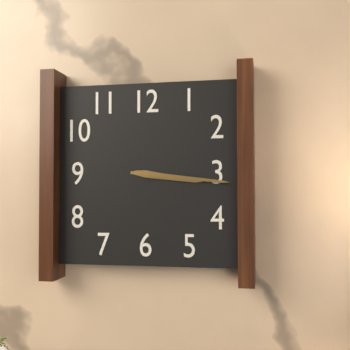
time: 3:16
